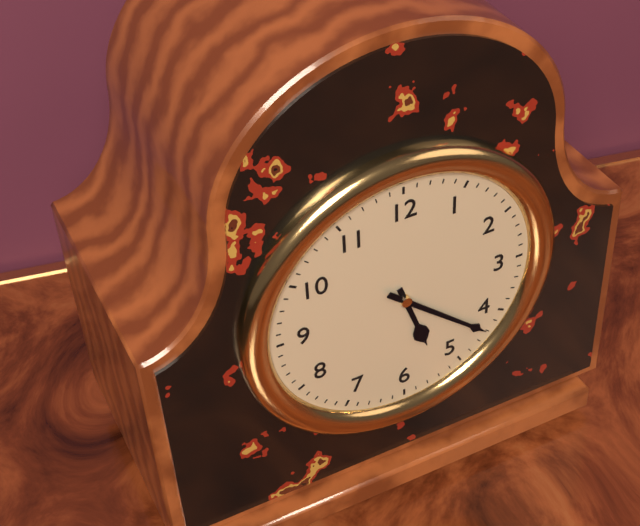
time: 5:22
